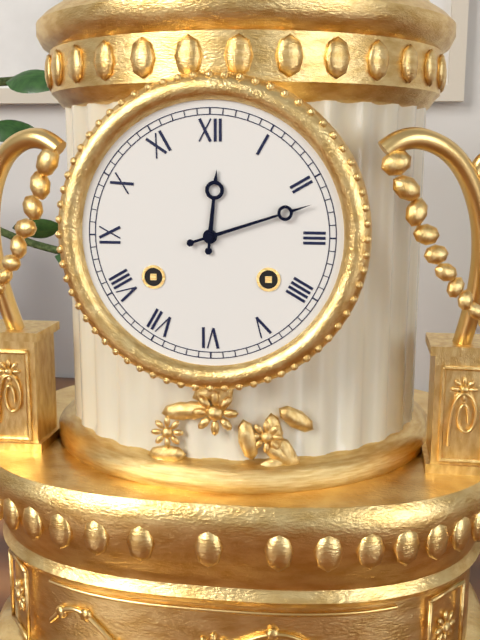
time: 12:12
